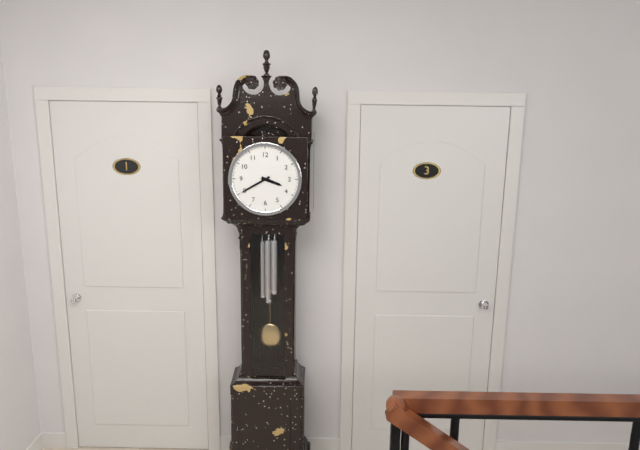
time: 3:40
